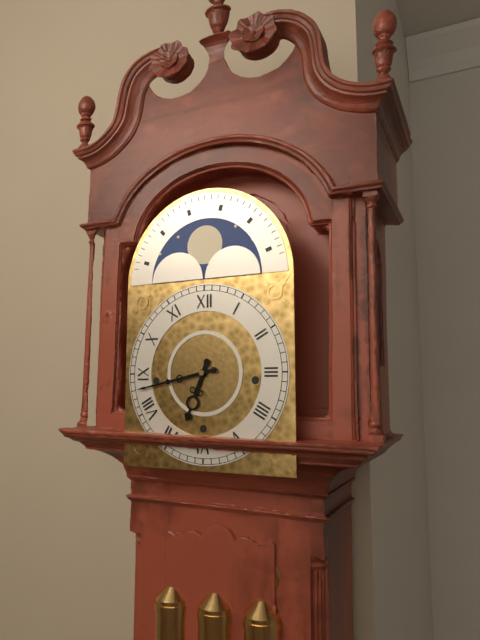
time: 6:43
